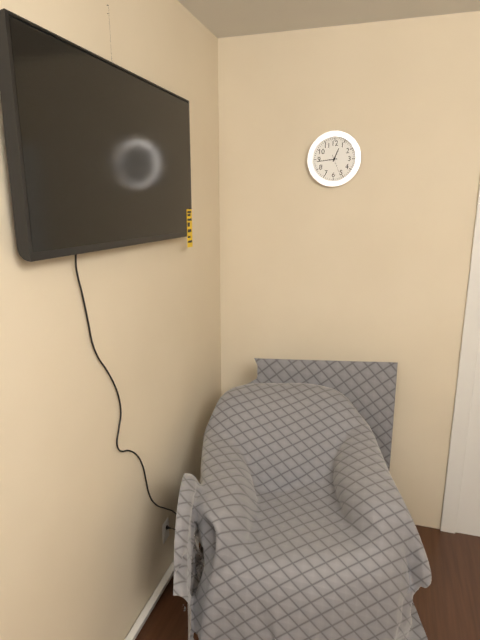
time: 12:44
